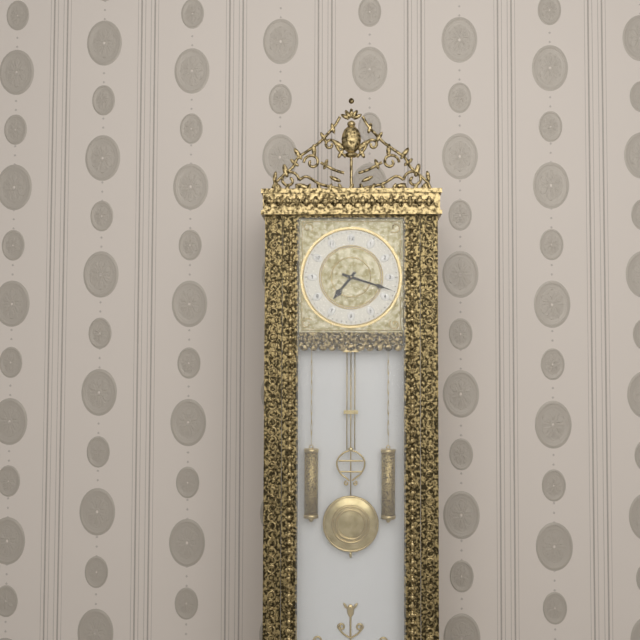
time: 7:18
